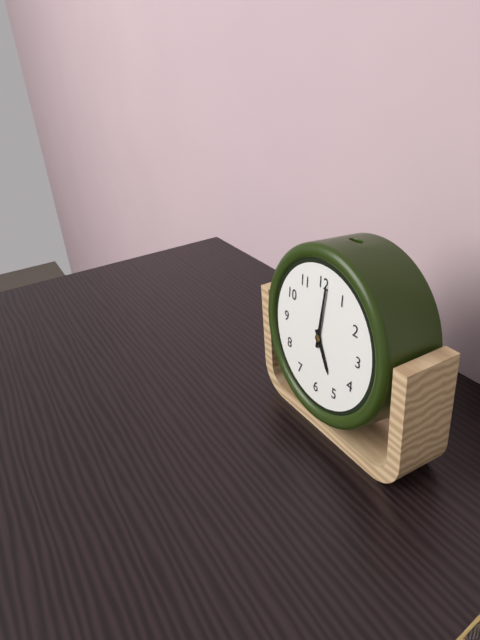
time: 5:01
